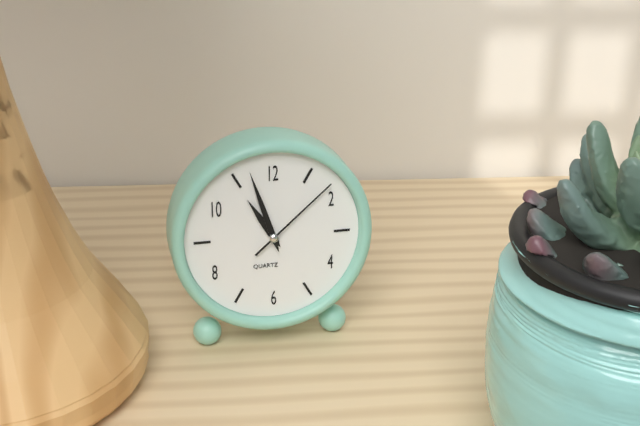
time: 10:57:08
